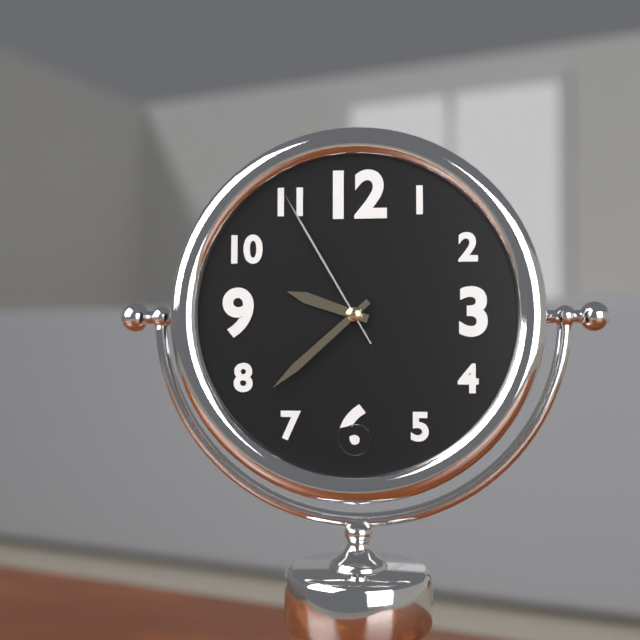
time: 9:38:55
